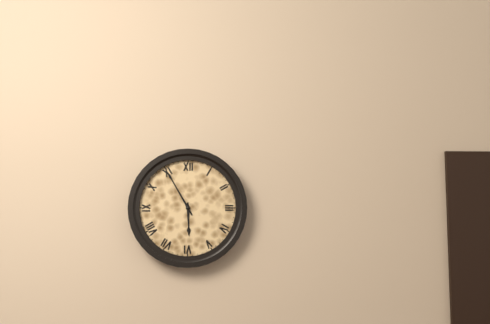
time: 5:55
